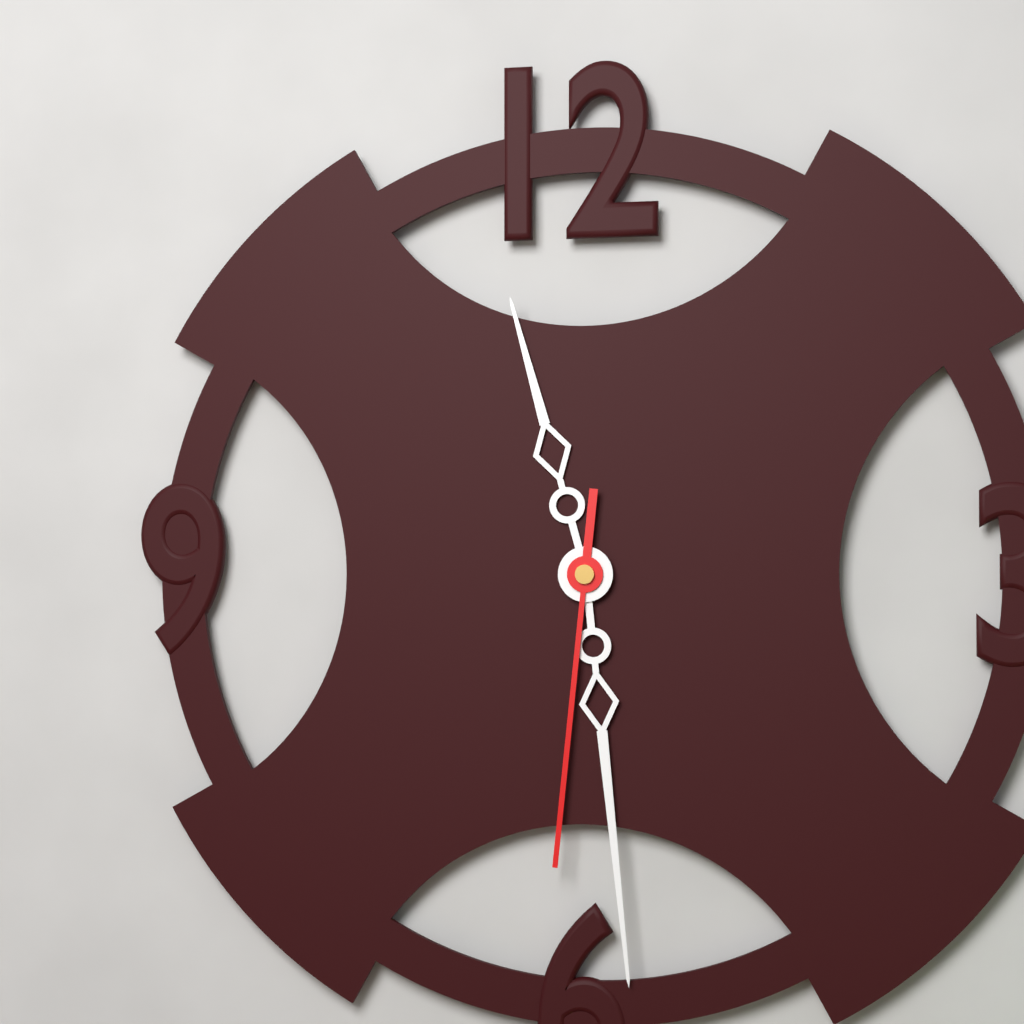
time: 11:29:31
